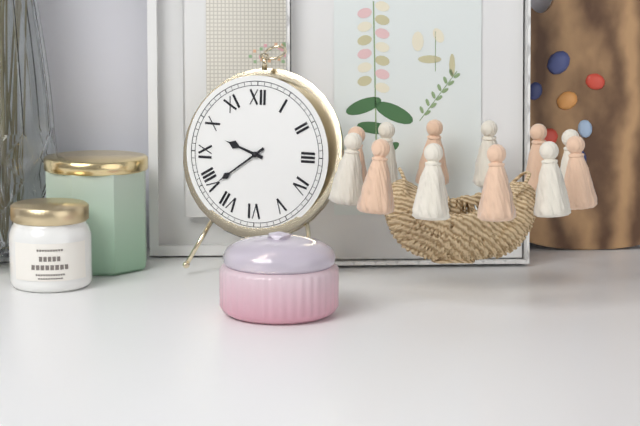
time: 9:39
